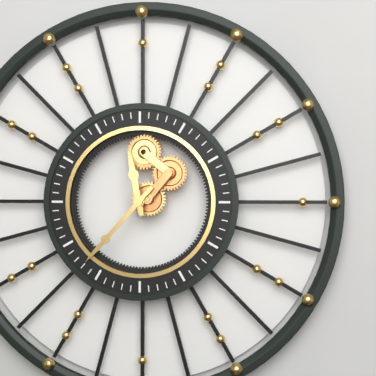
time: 11:37
